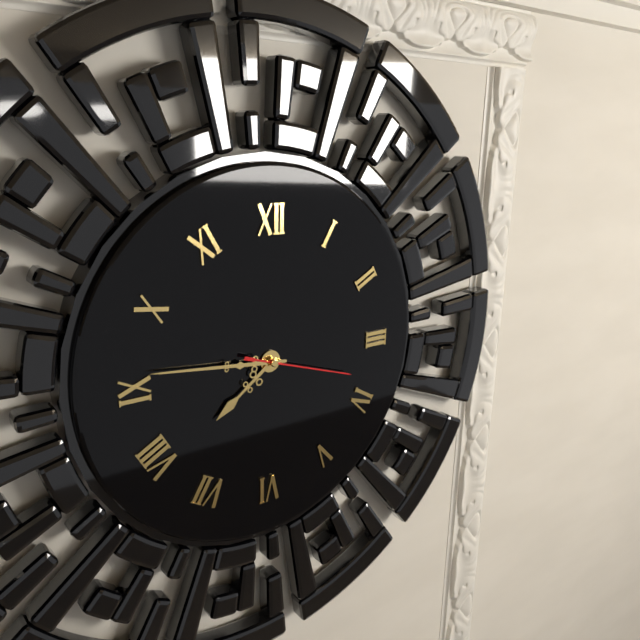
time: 7:46:18
